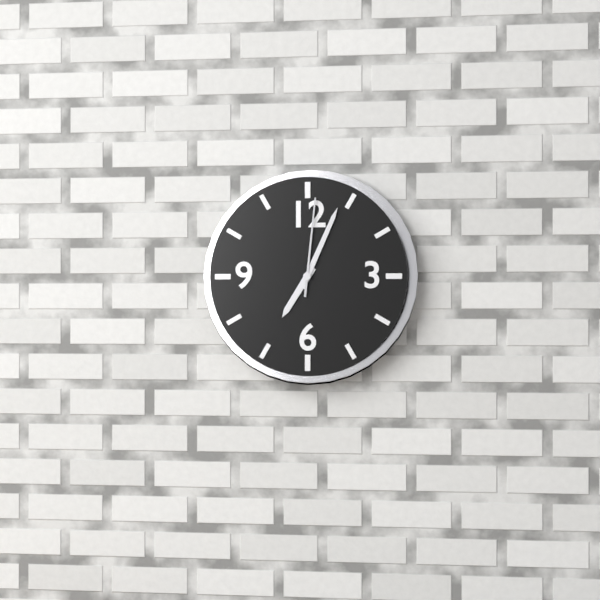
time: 7:04:01
